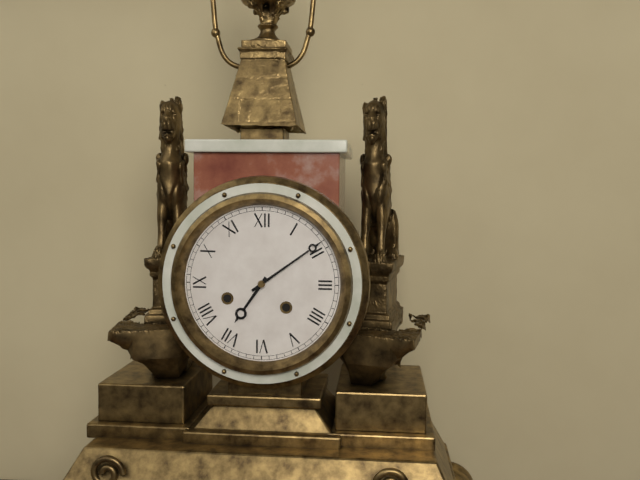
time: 7:09
